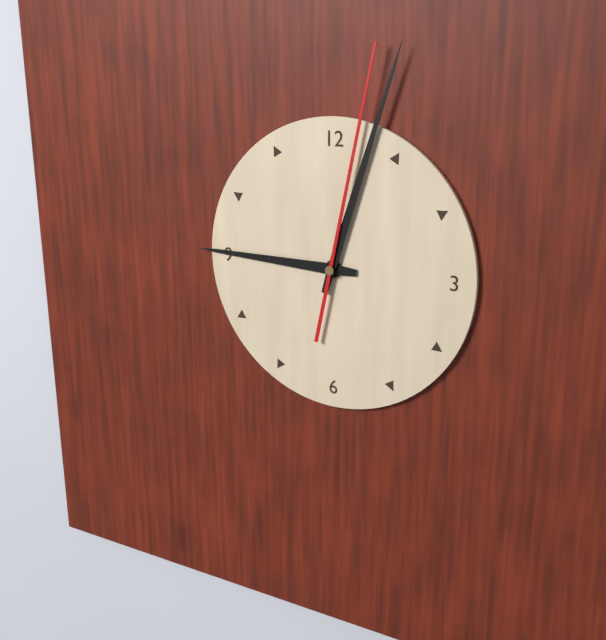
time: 9:03:02
